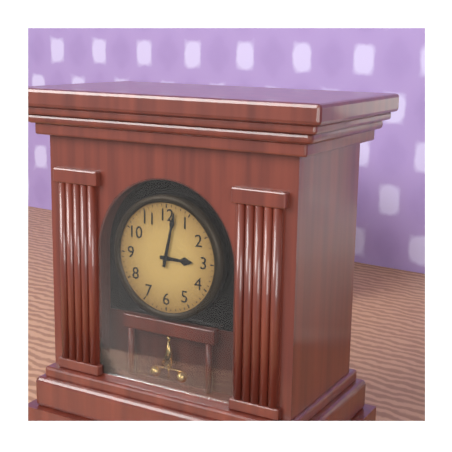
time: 3:02
